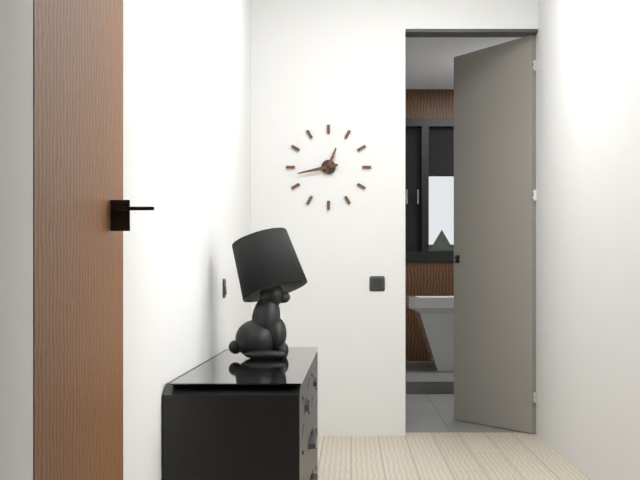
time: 12:43
